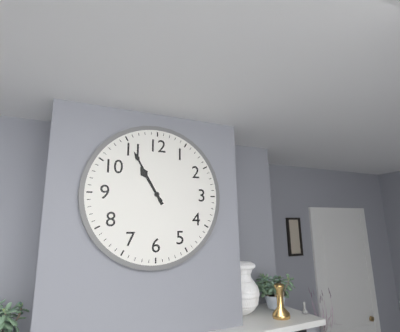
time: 10:55
